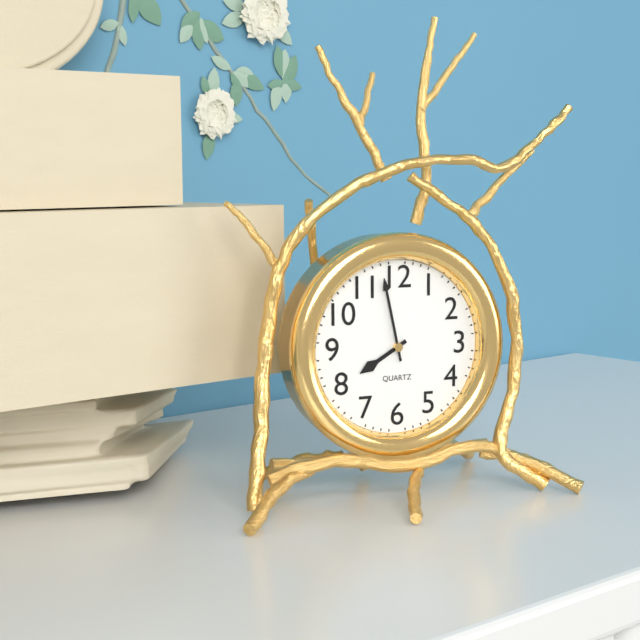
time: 7:58
